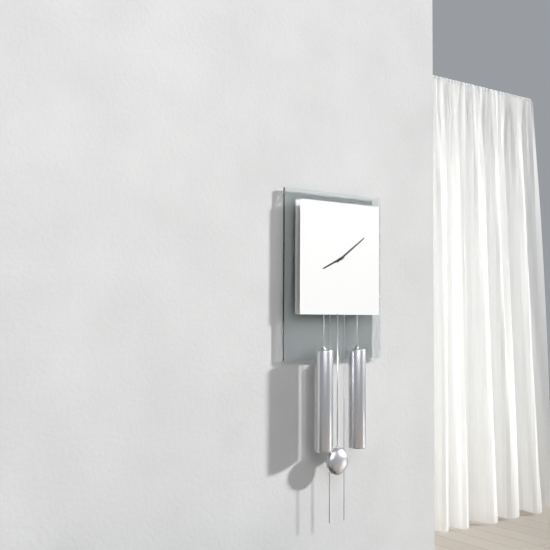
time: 8:09
